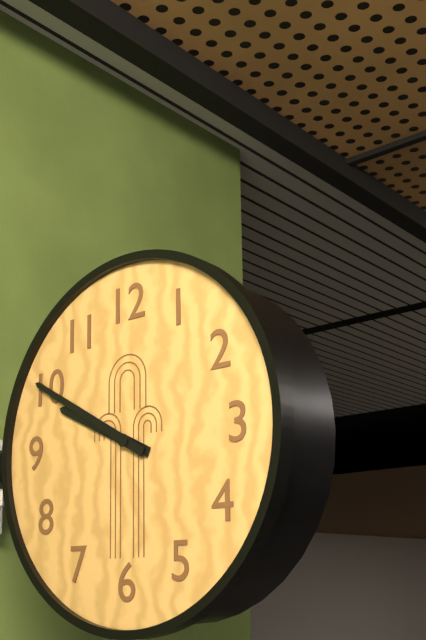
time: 9:50
